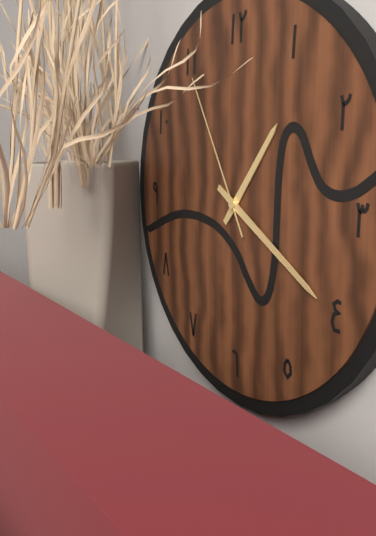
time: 1:20:55
